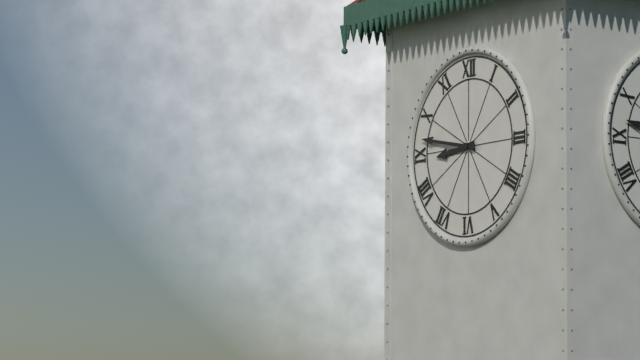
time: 8:47
